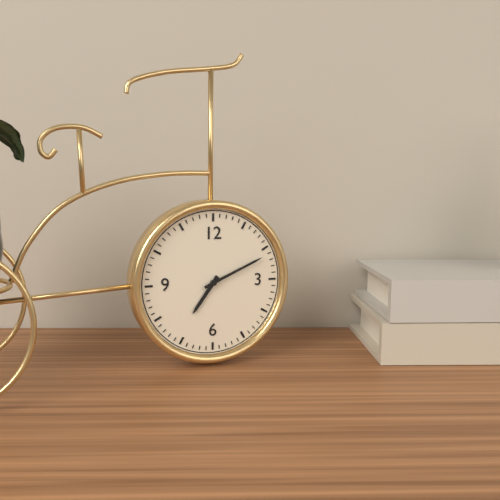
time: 7:11
